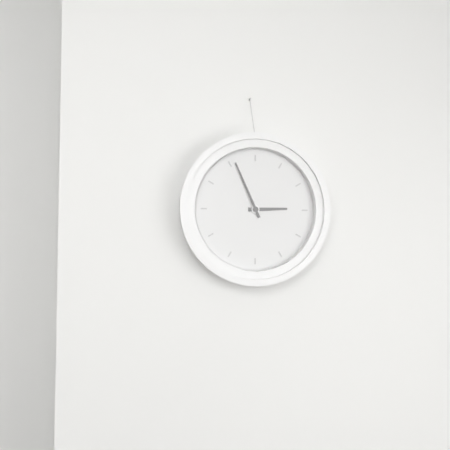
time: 2:56
